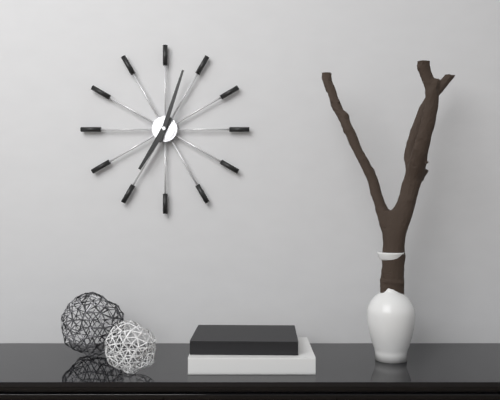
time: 7:03
